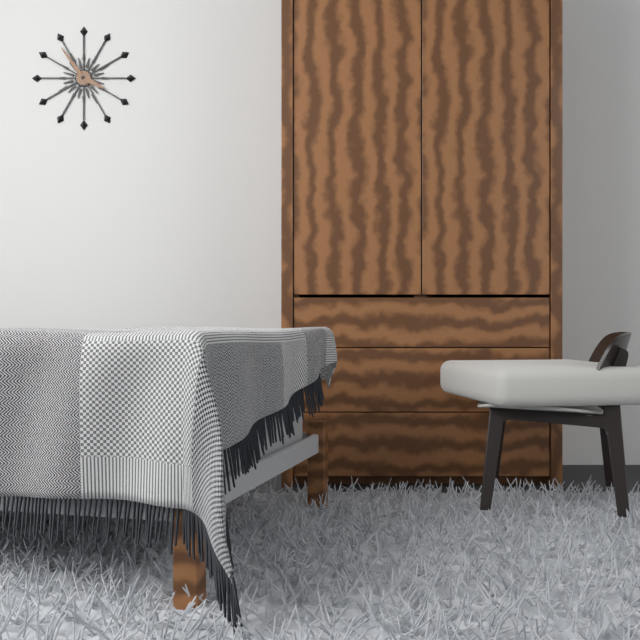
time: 3:54
